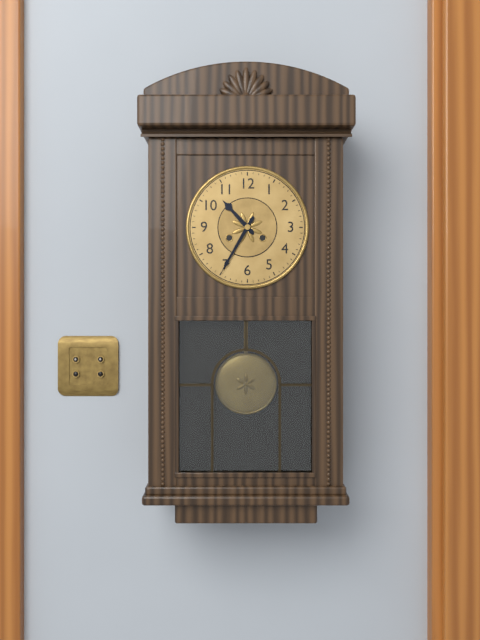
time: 10:35
